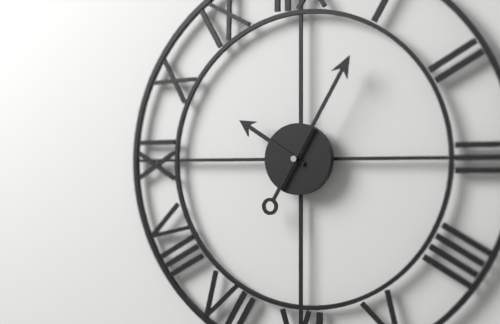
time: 10:05
